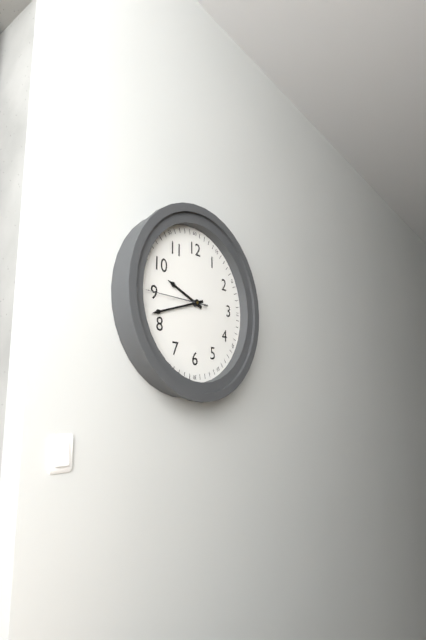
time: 9:42:45
